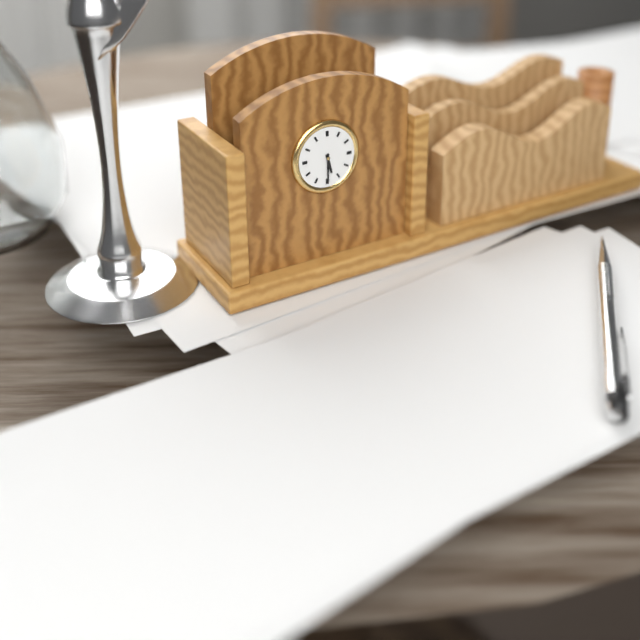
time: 5:30
